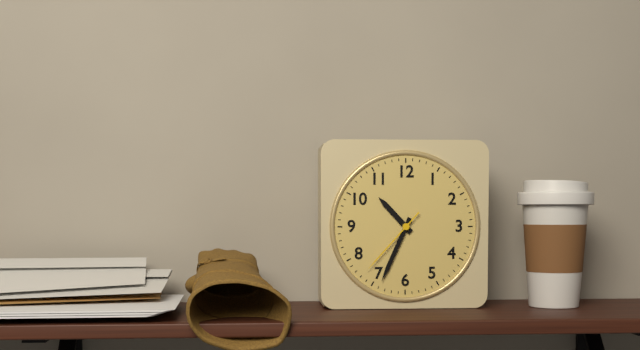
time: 10:34:37
